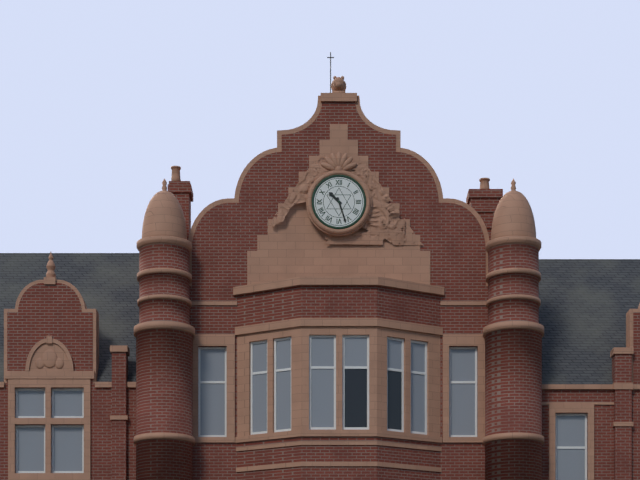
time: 10:27
